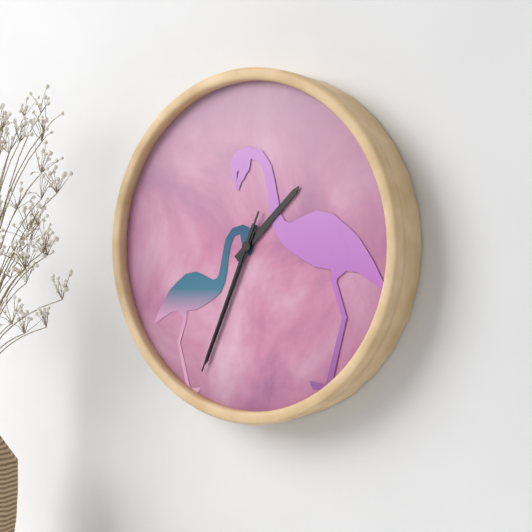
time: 1:34:34
